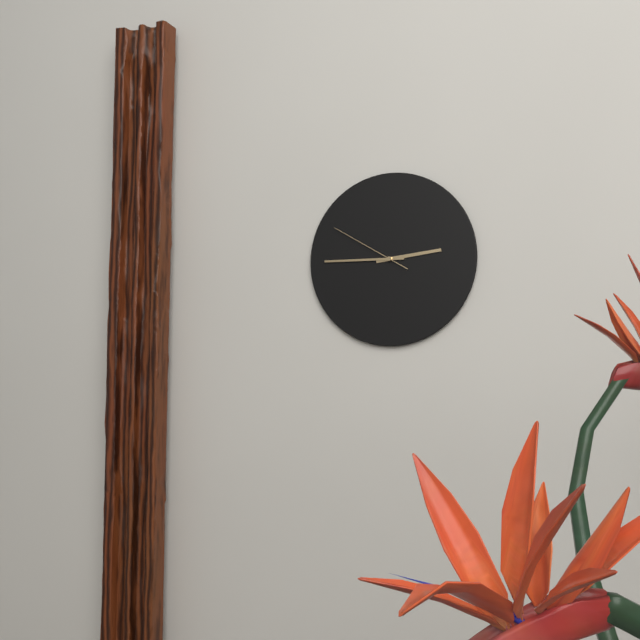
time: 2:45:50
